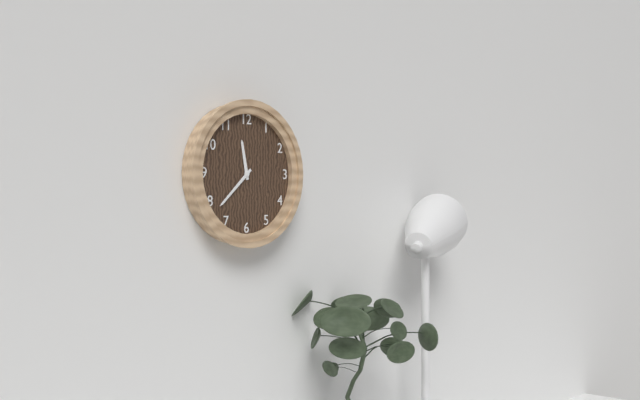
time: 11:38
